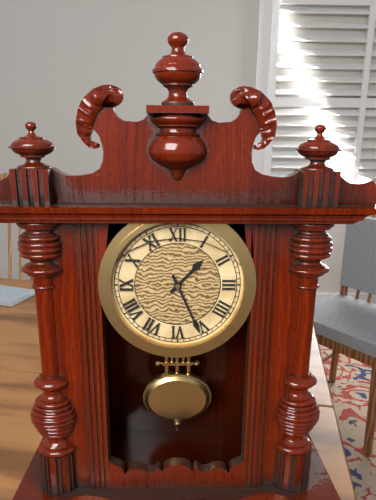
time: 1:26
